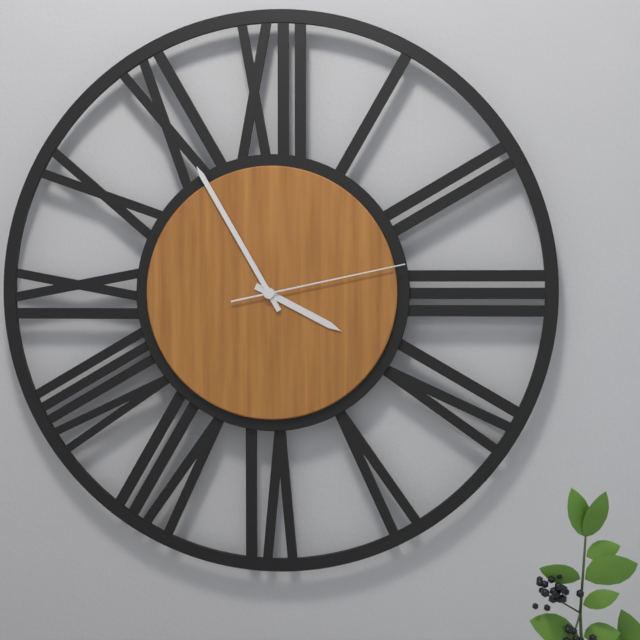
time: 3:55:13
